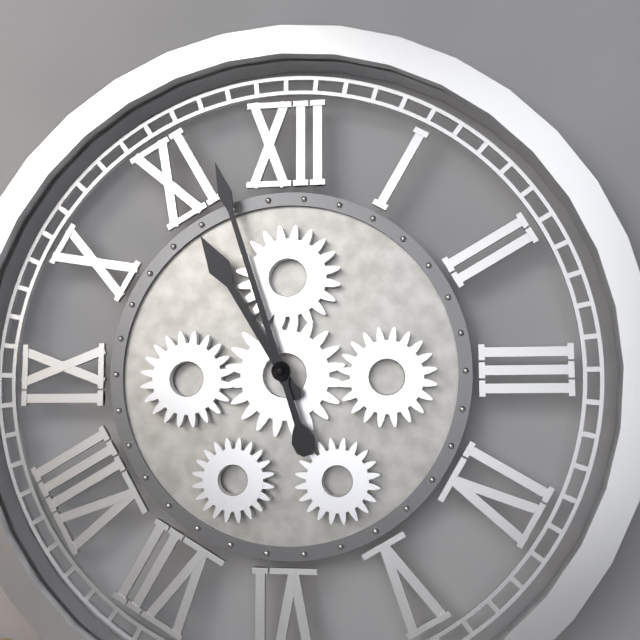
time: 10:57
